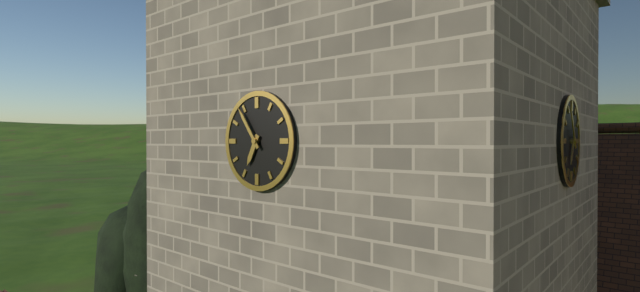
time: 6:54
